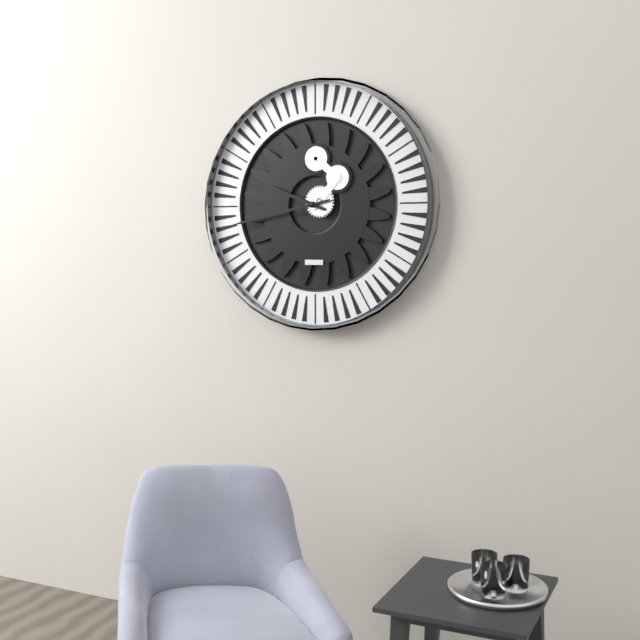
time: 9:43
